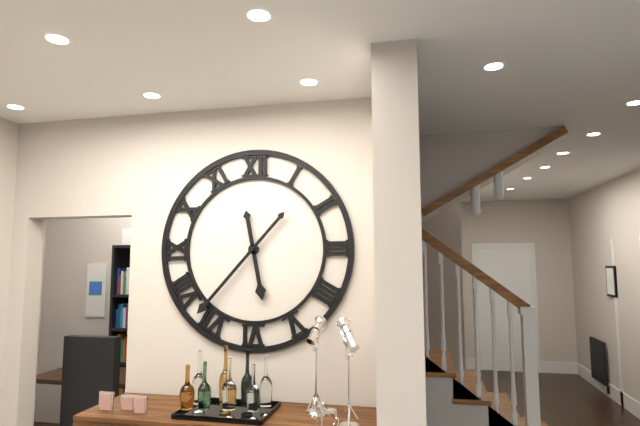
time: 5:37
